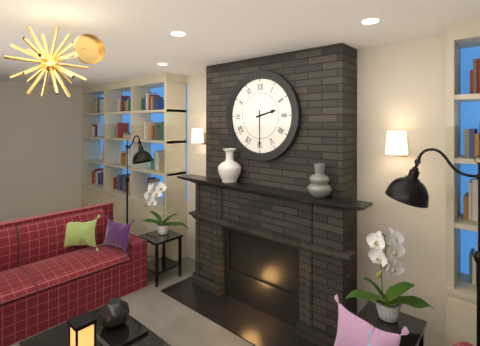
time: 2:30
